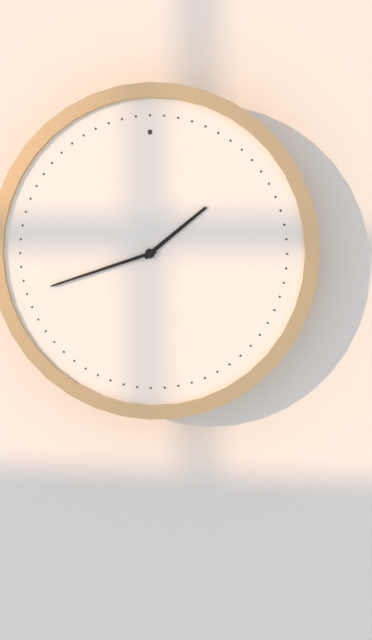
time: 1:42
